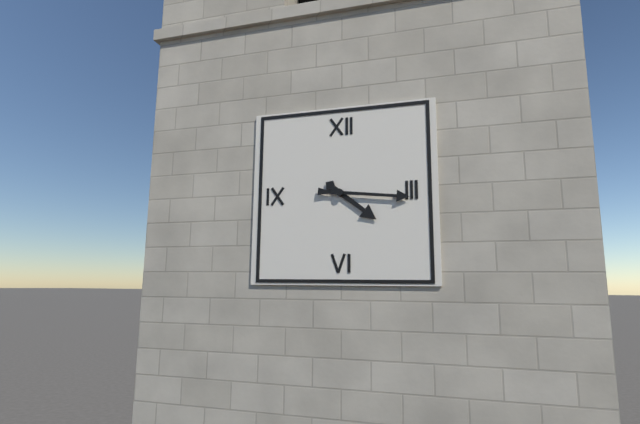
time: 4:16
